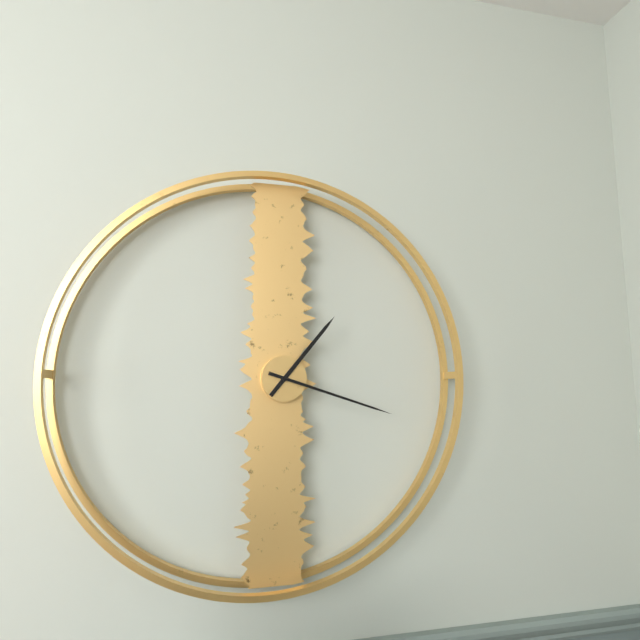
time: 1:18
